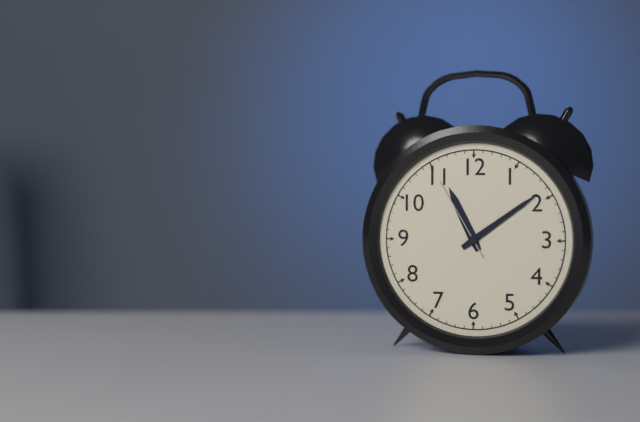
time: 11:09:55
